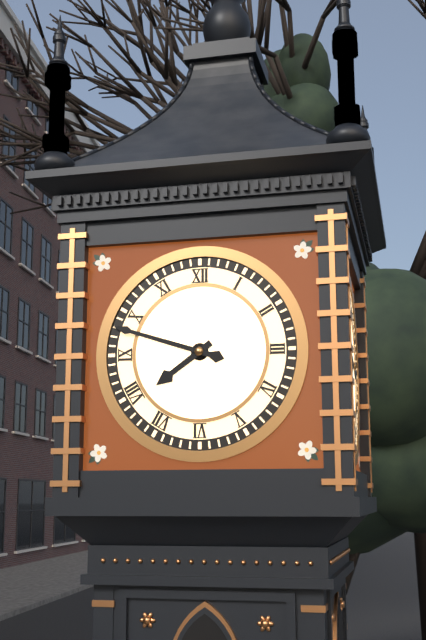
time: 7:48
